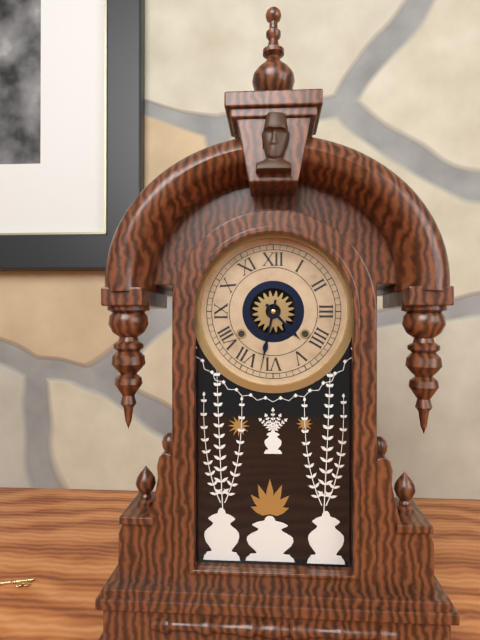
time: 4:32
